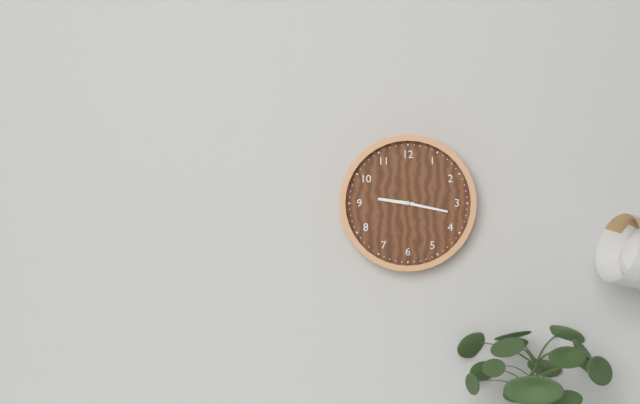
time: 9:17
